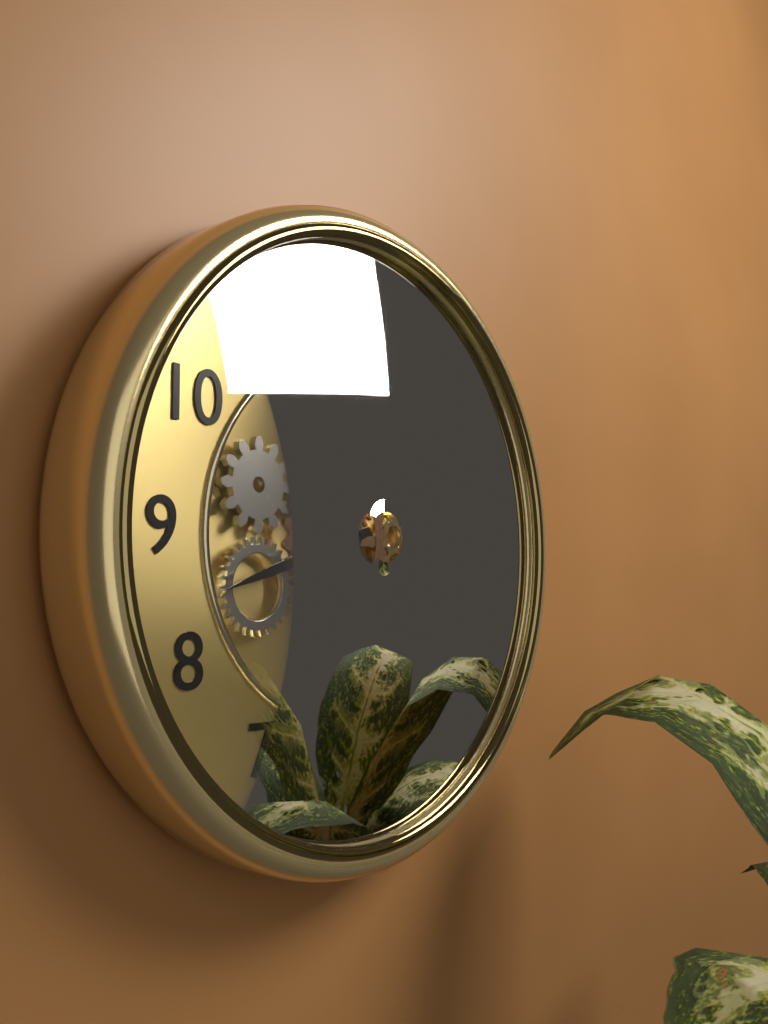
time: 8:25
